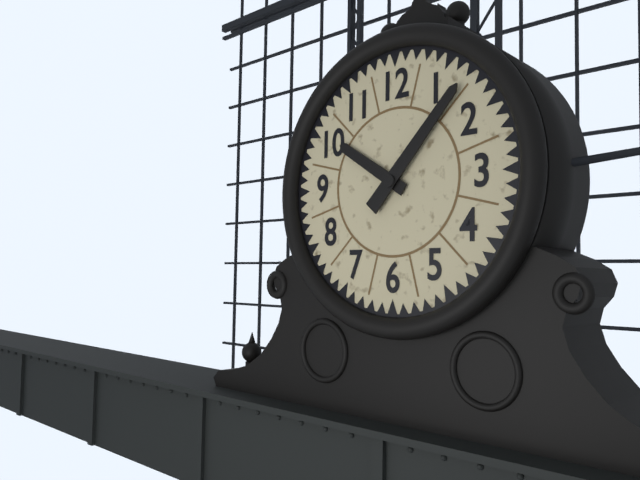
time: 10:07
